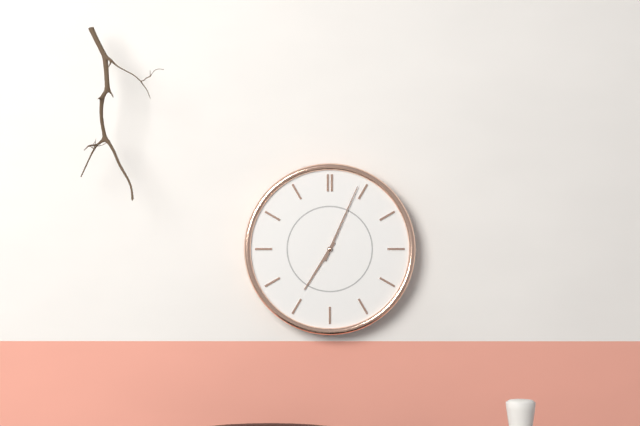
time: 7:04
